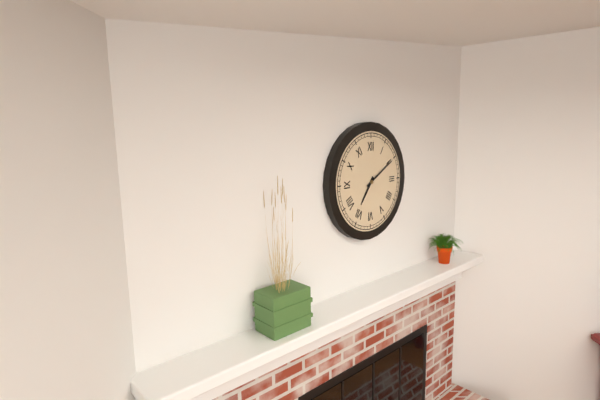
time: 7:10
